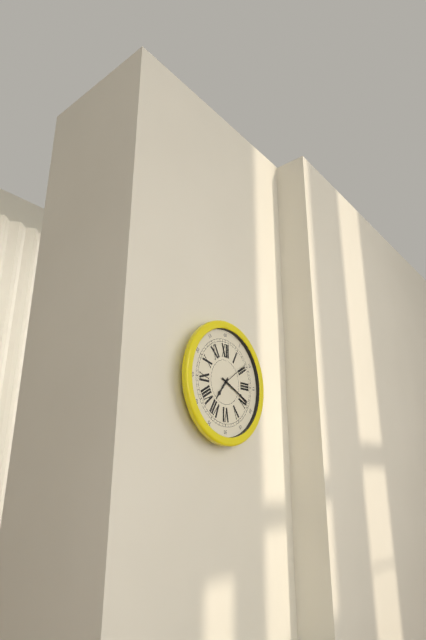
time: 7:19
